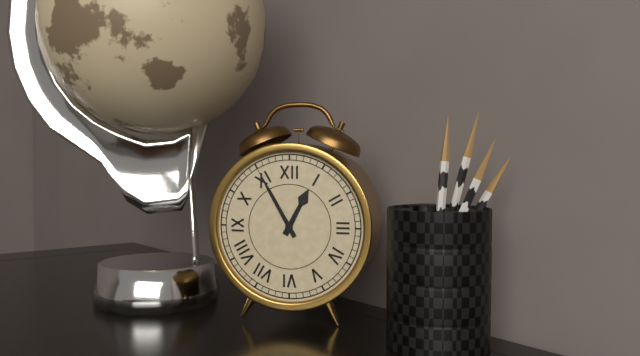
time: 12:55
